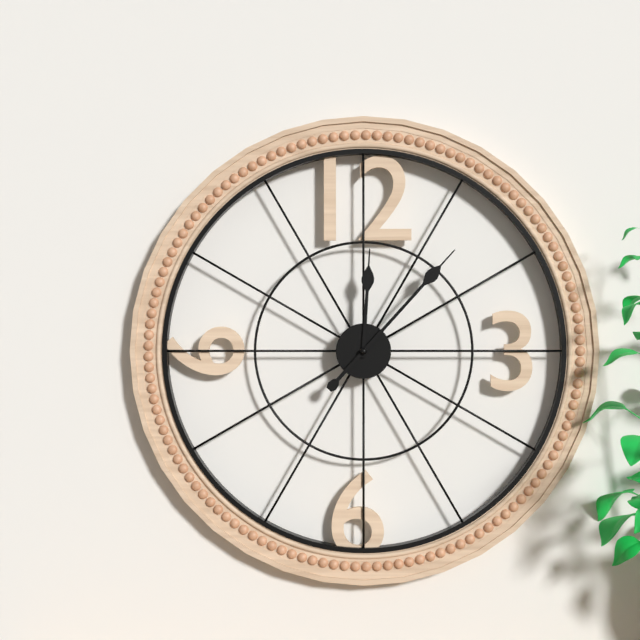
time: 12:07
